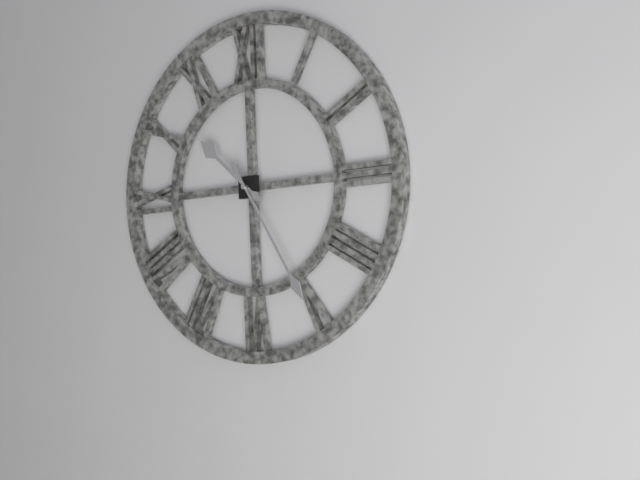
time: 10:25
